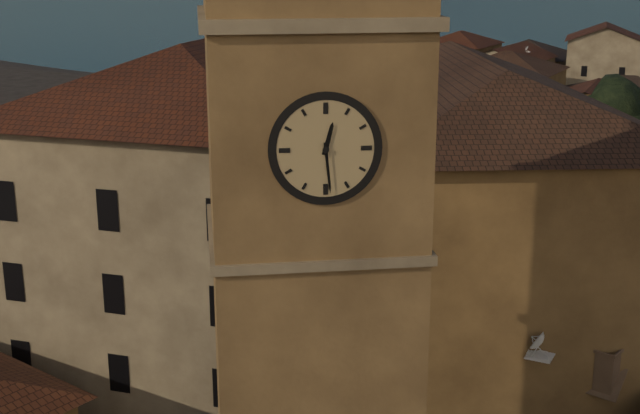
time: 12:29
